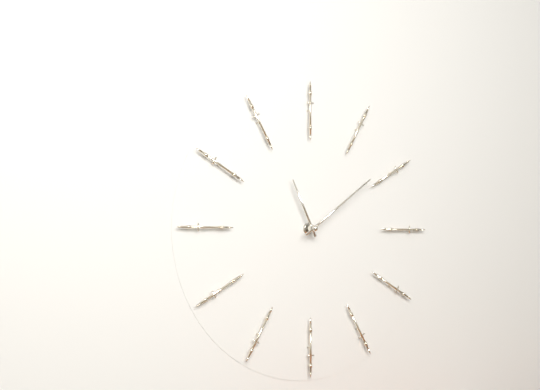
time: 11:09
